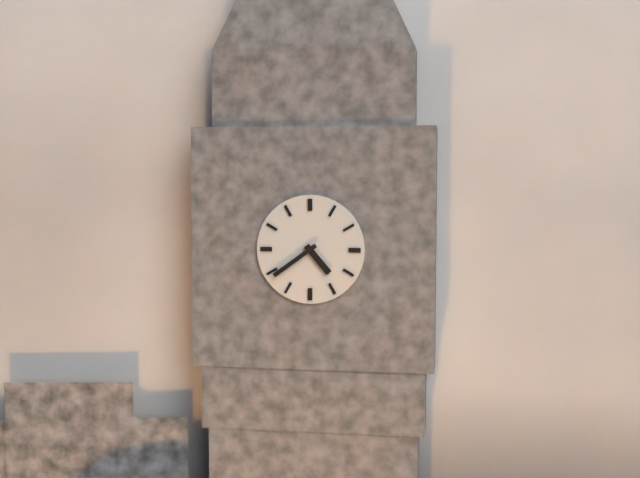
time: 4:39
